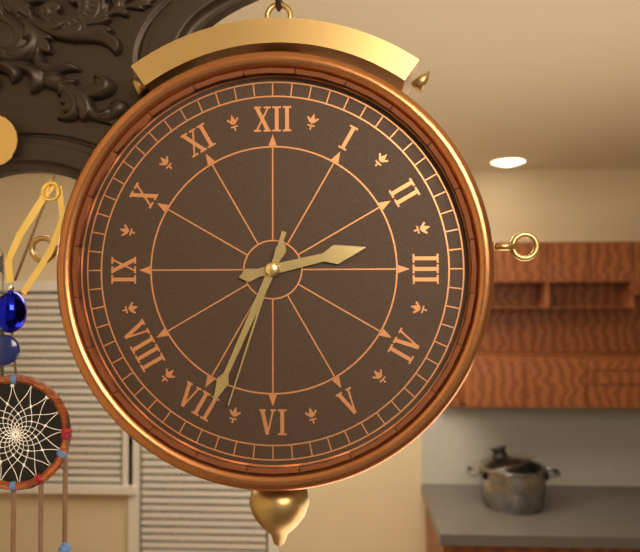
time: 2:34:33
